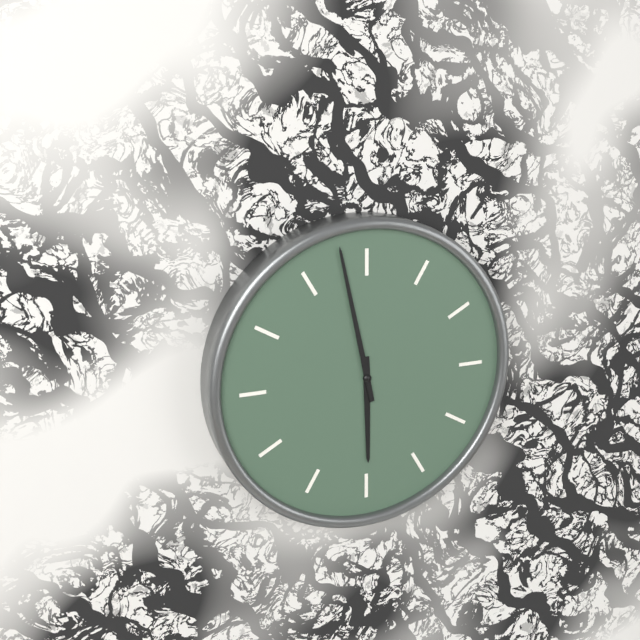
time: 5:58
